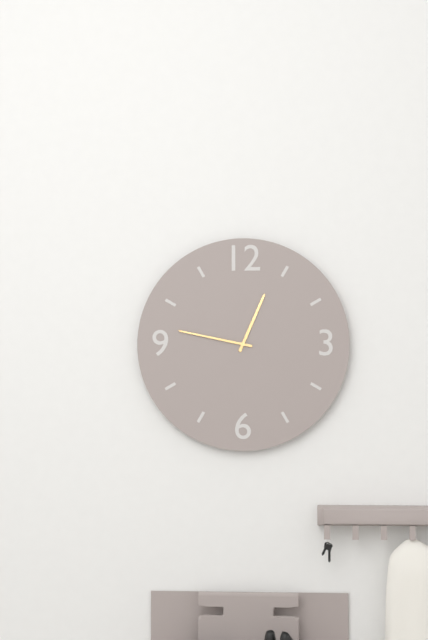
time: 12:47
